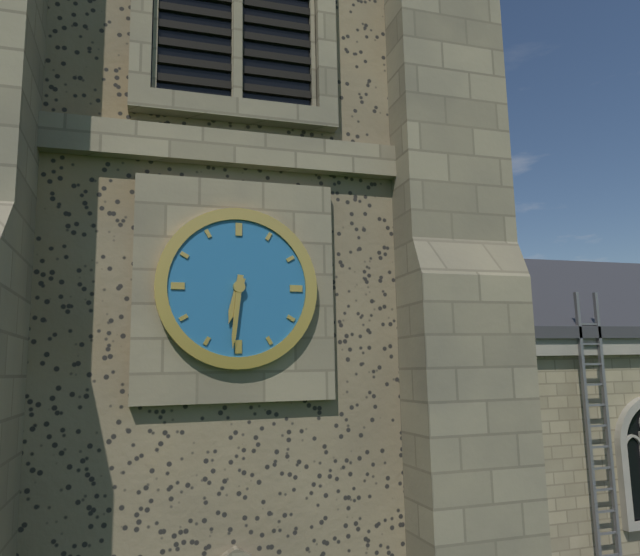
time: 6:31
